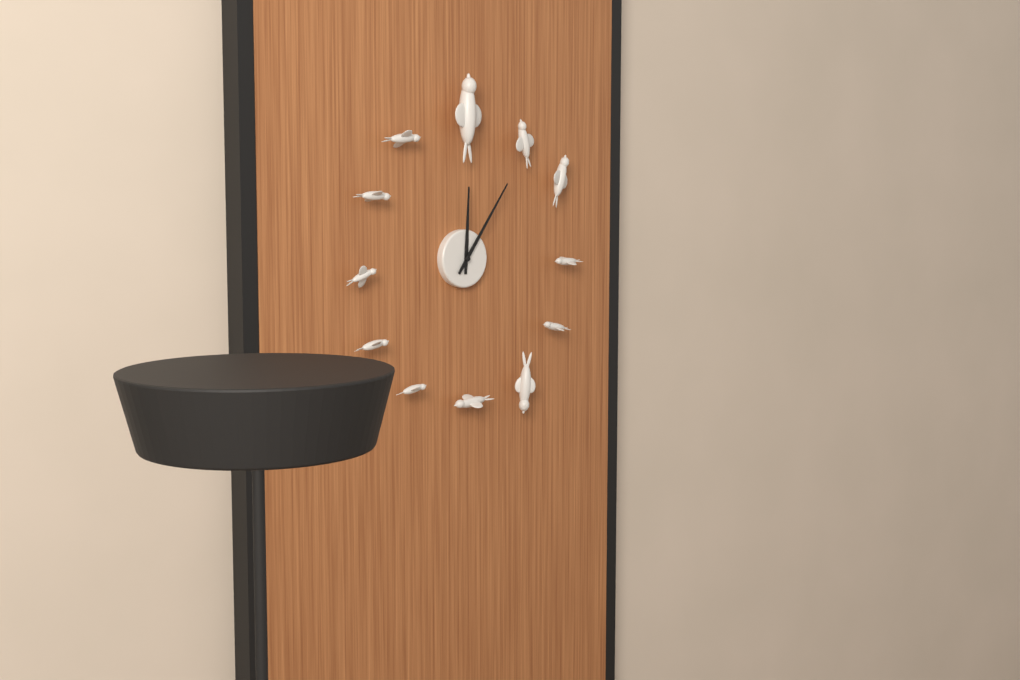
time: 12:06
